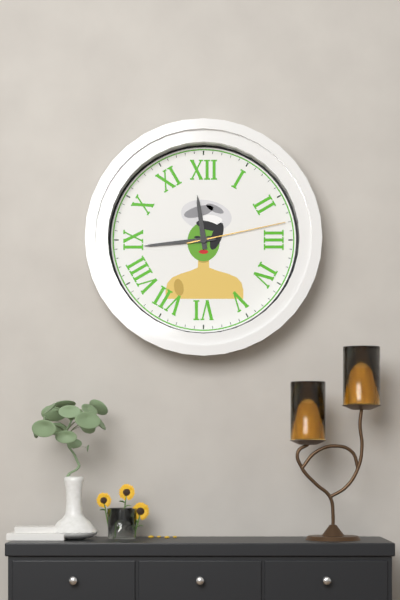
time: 11:44:13
